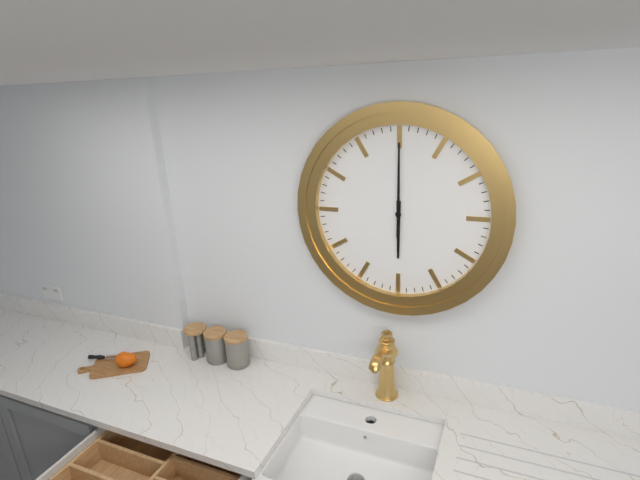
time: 6:00
